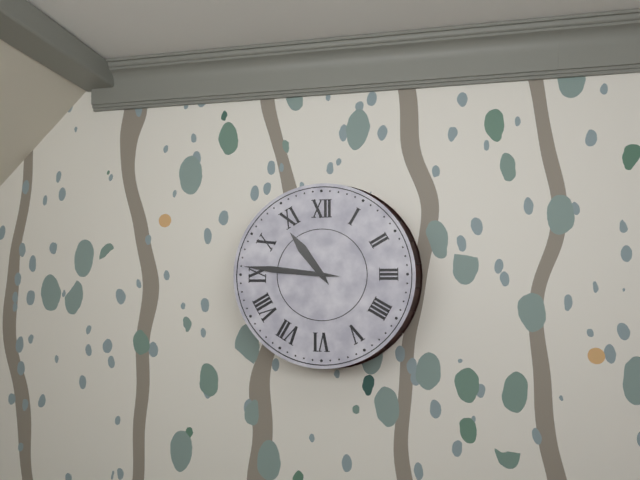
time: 10:46
